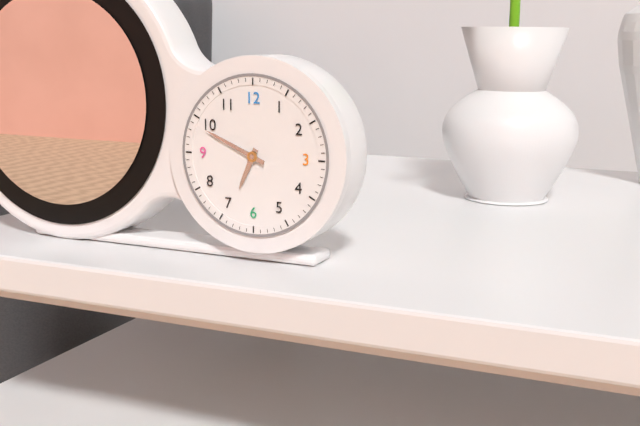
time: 6:49
